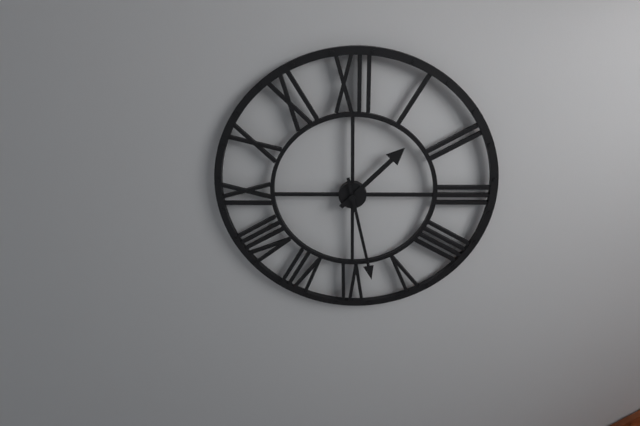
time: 1:28
